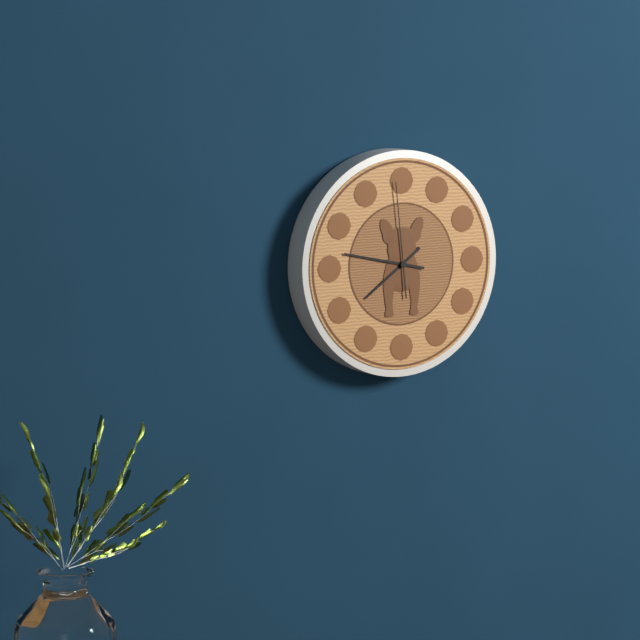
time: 7:47:59
